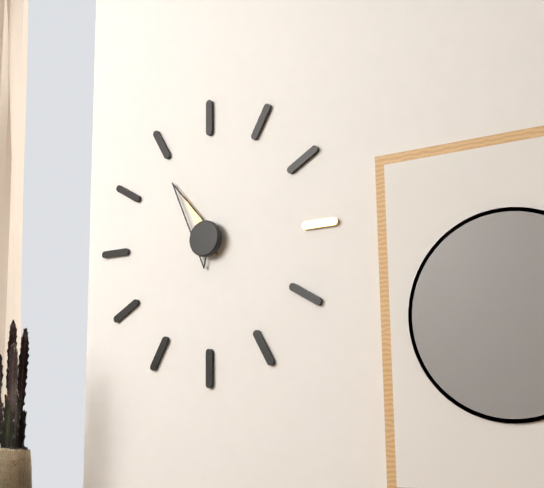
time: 10:54
